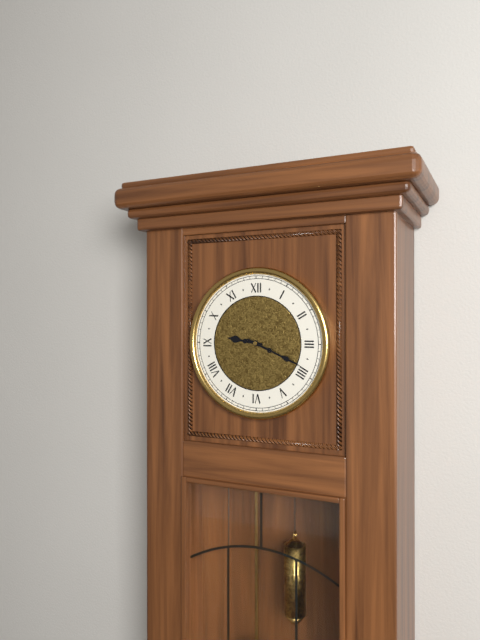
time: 9:19
